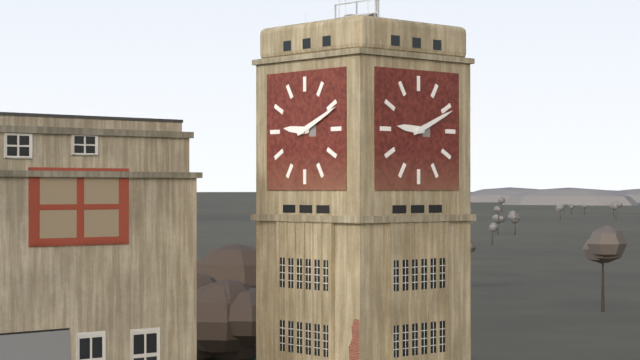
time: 9:11
